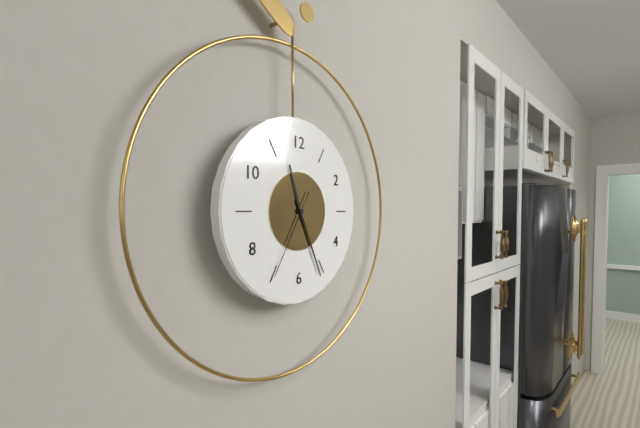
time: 11:26:35
